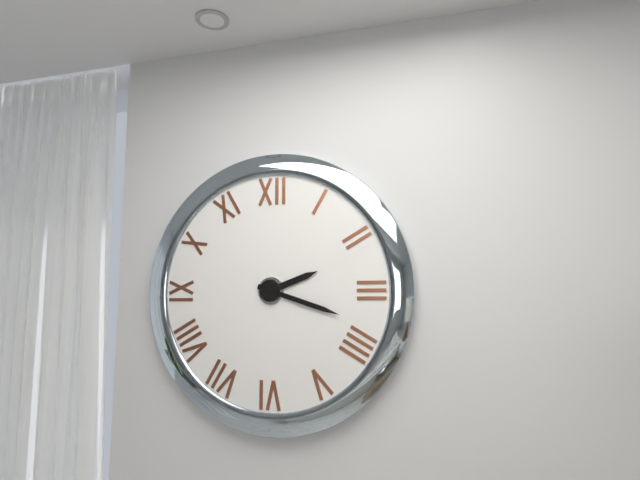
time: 2:18
